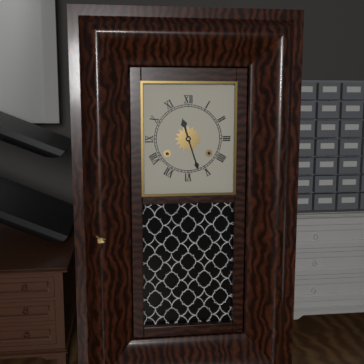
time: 11:27
